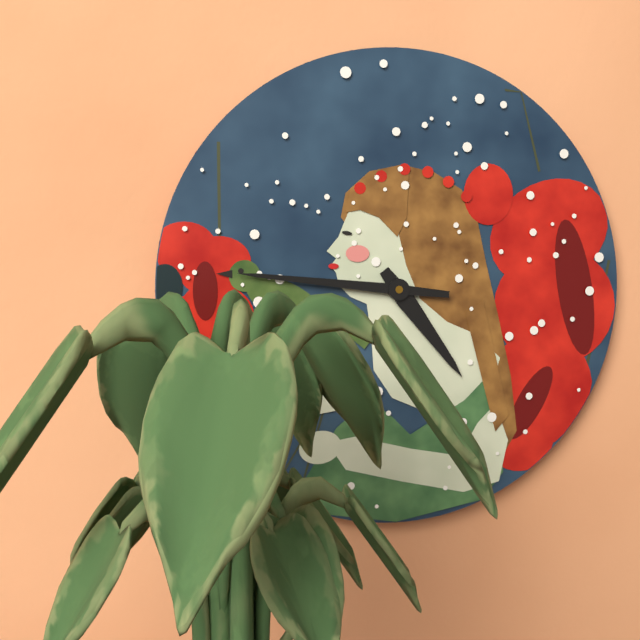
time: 4:46
